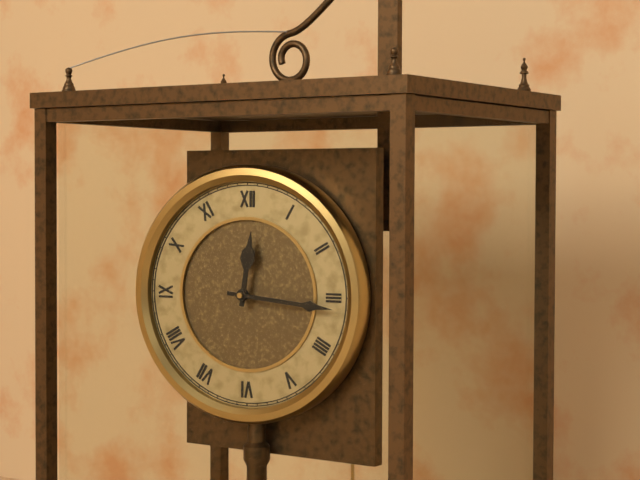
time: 12:16
